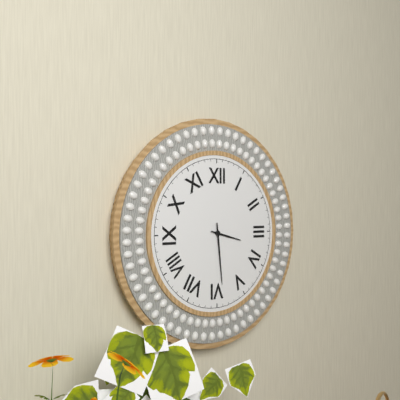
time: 3:29
